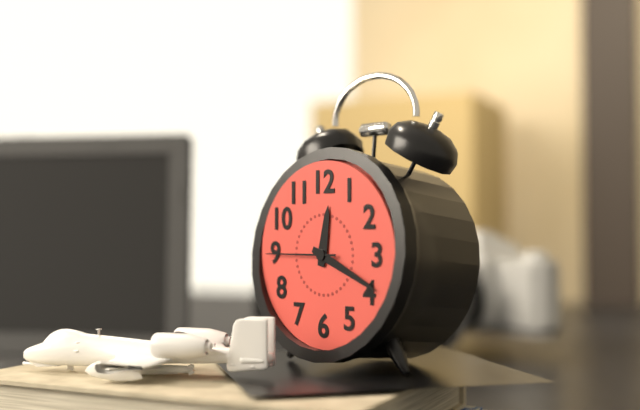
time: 12:19:45
